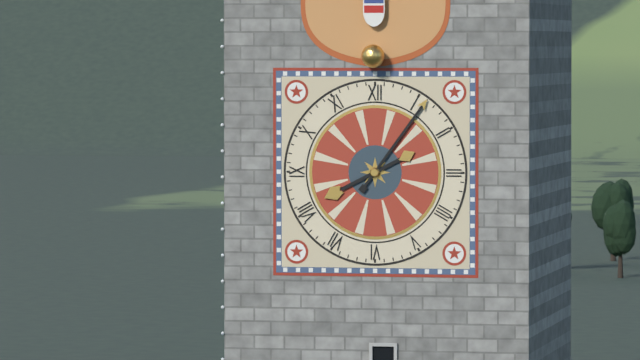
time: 8:06
